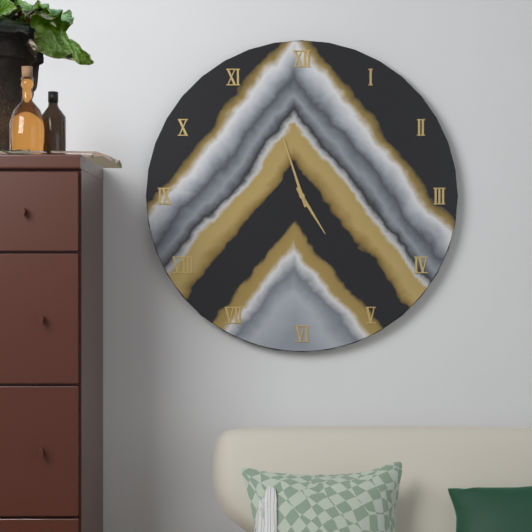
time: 4:57
